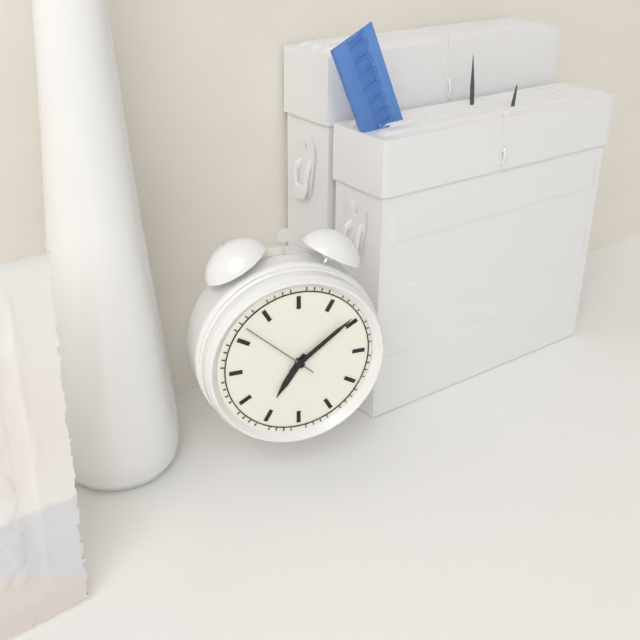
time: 7:09:52
